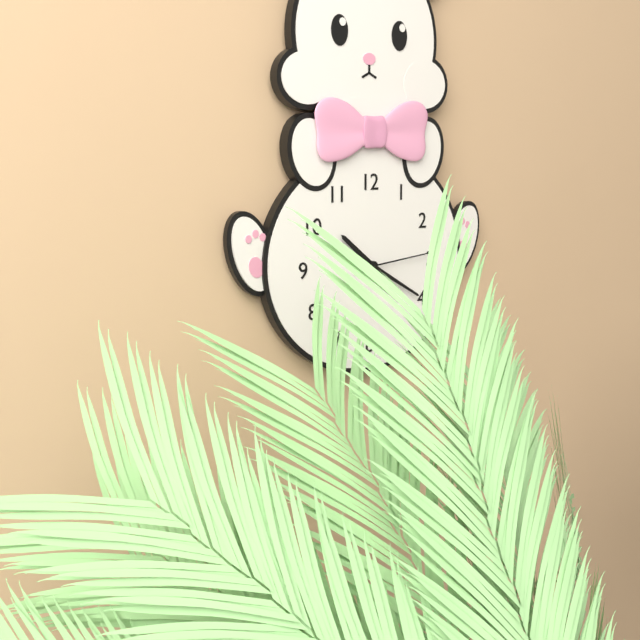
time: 10:20:14
